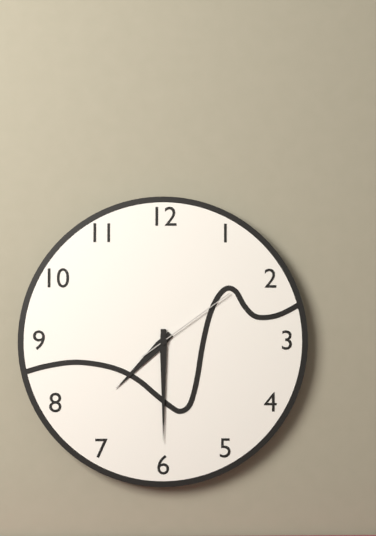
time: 7:30:09
